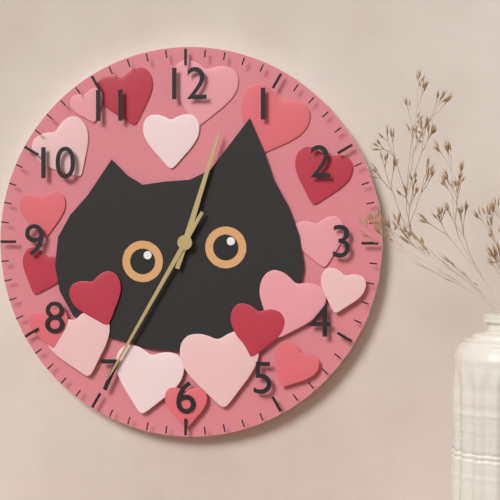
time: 12:35
